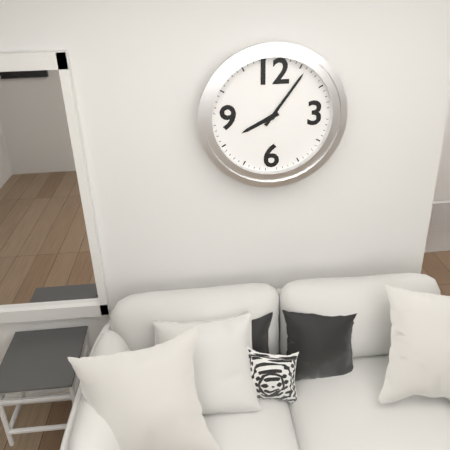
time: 8:06
